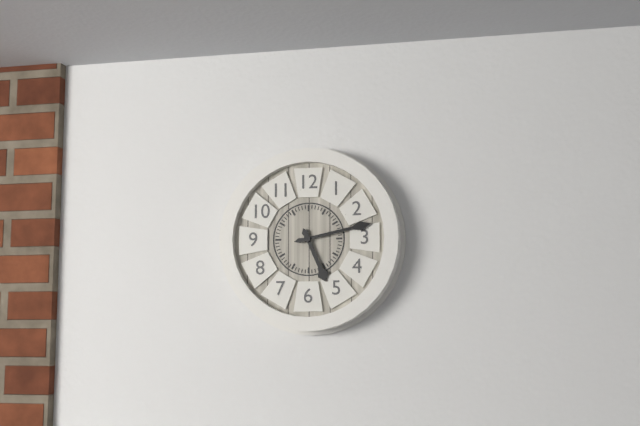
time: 5:13
